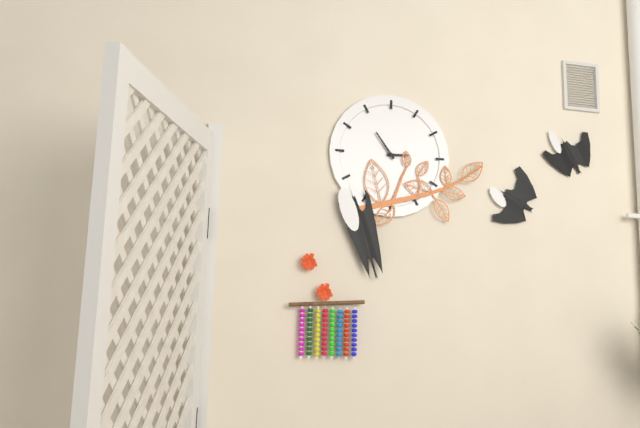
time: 2:54
